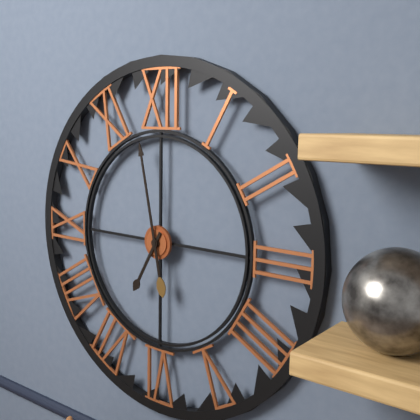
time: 6:58
